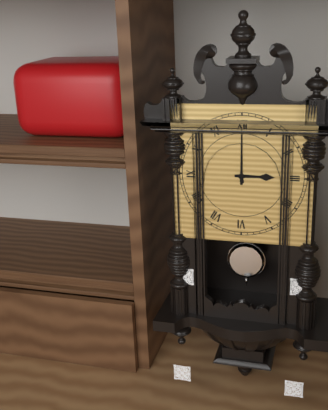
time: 3:00
